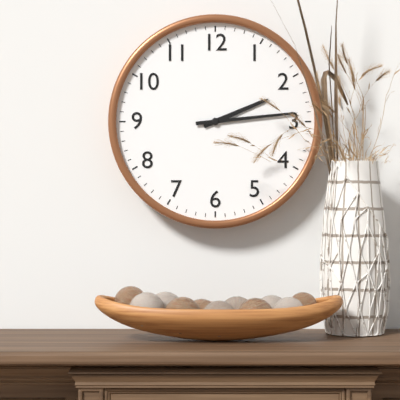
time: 2:14
